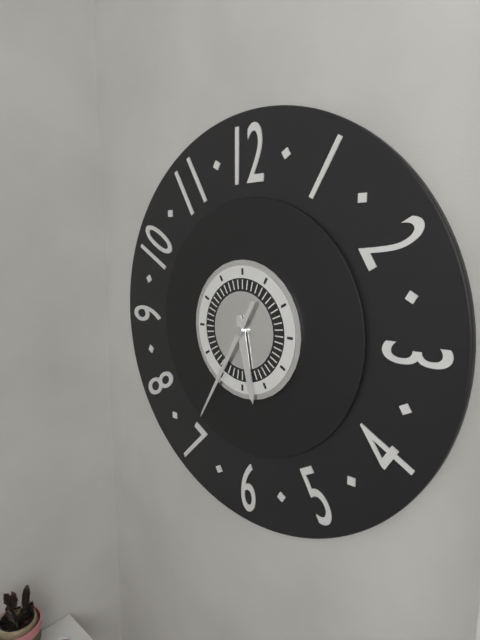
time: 5:35
